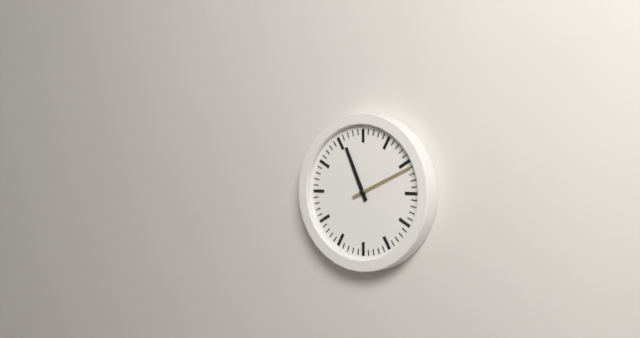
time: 11:11
